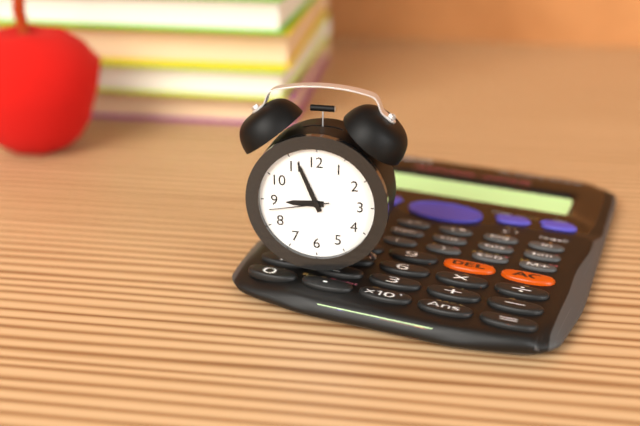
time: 8:56:43
